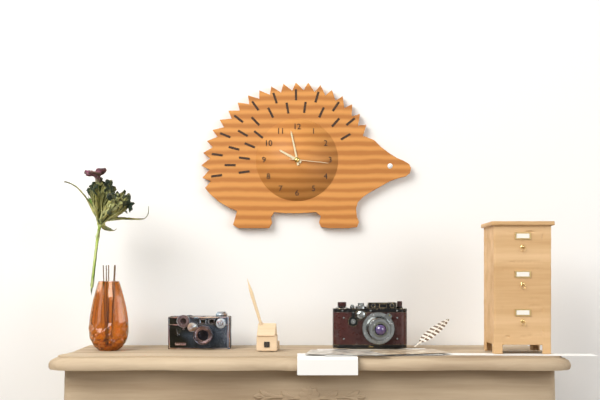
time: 9:58
